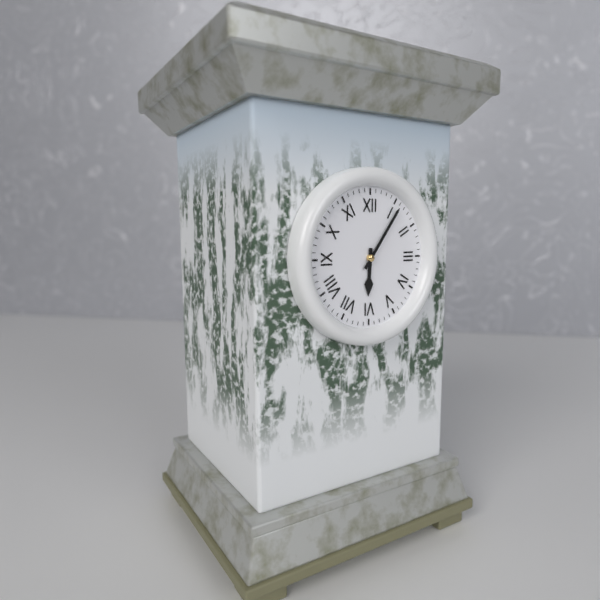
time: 6:06
